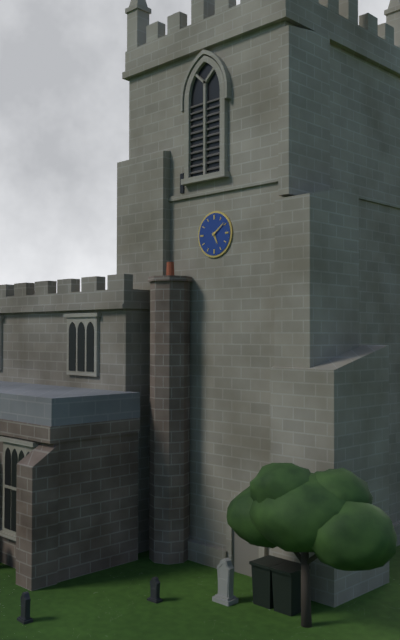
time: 5:09
